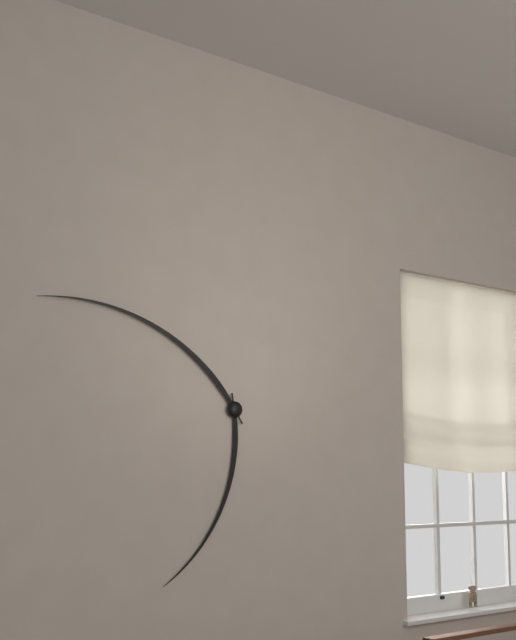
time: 6:49
